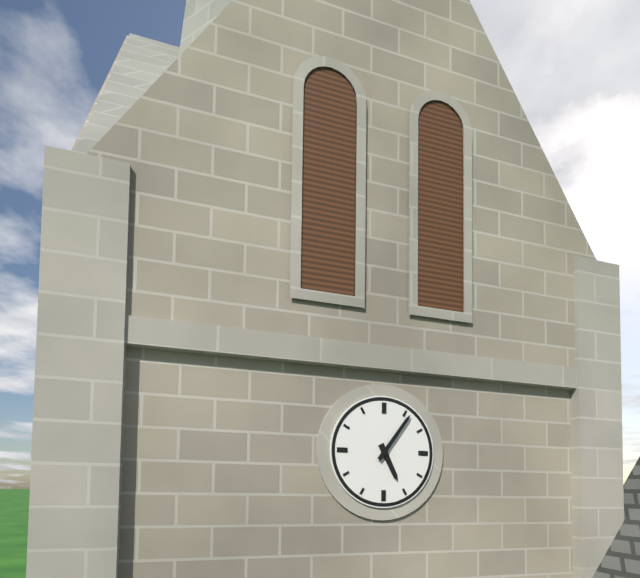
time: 5:06
